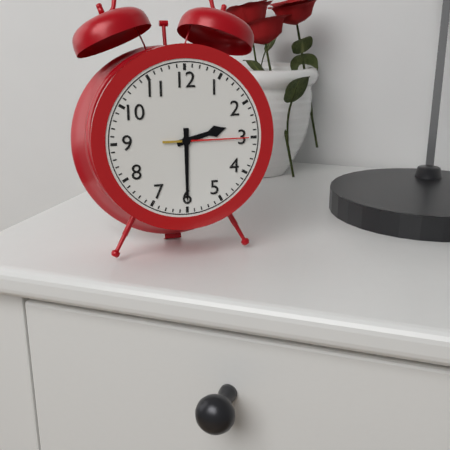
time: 2:30:15
